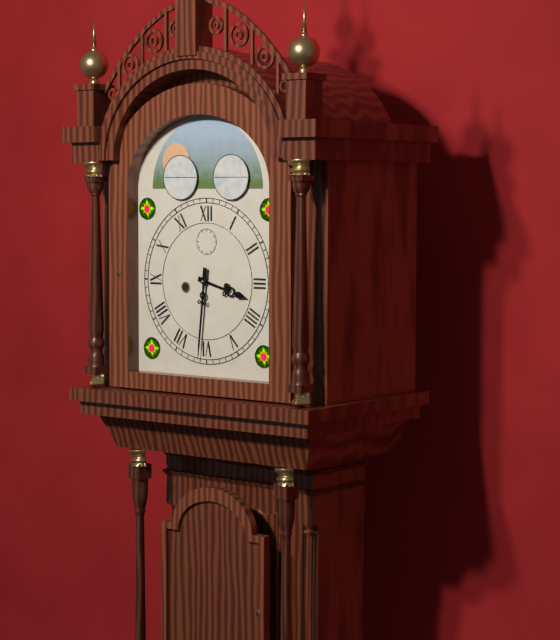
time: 3:31
